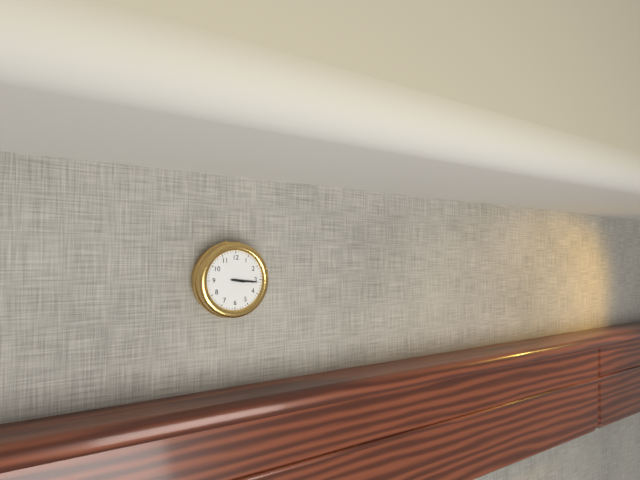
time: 3:16
